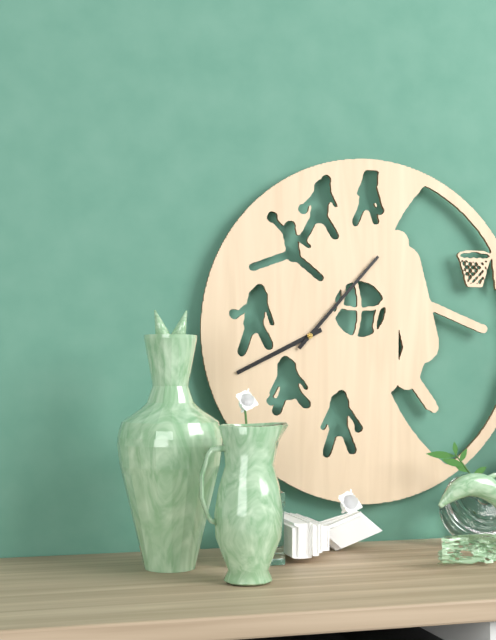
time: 8:07
